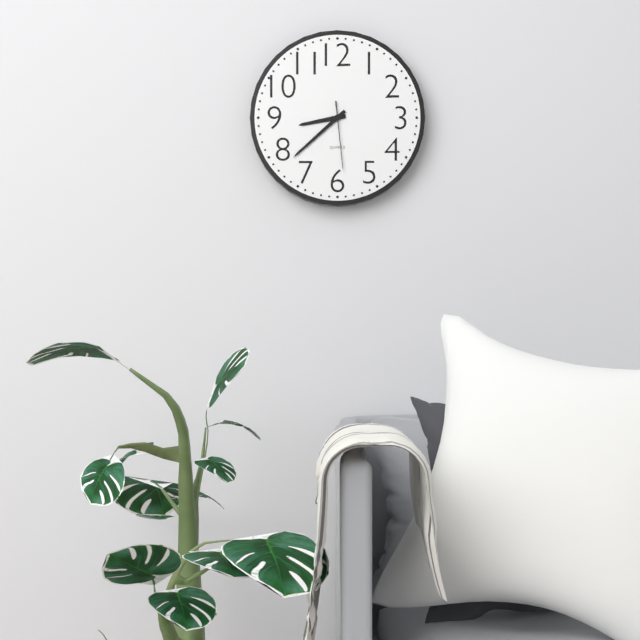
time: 8:38:29
